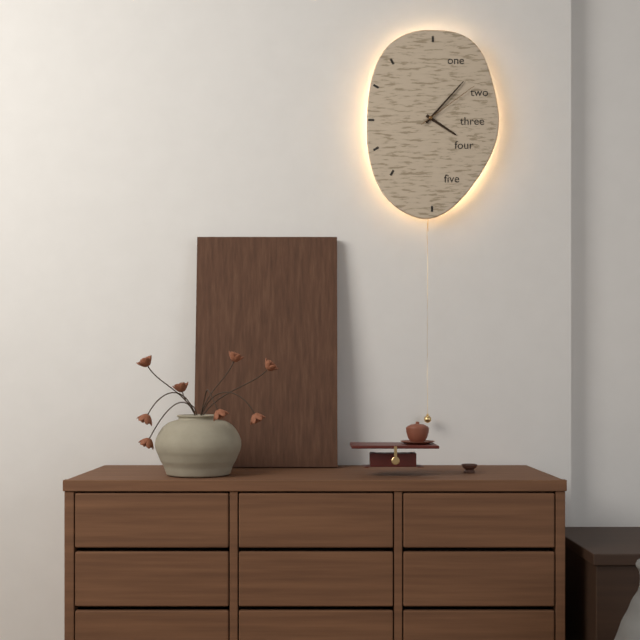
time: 4:07:09
